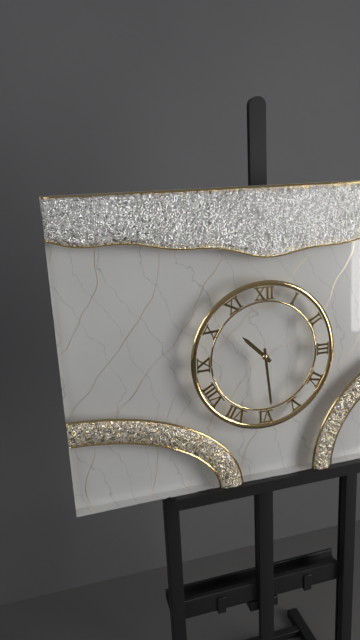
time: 10:29
